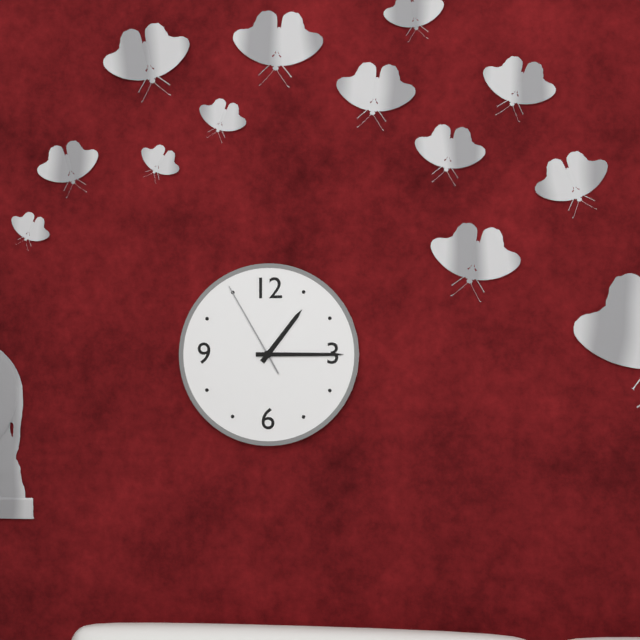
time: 1:15:55
